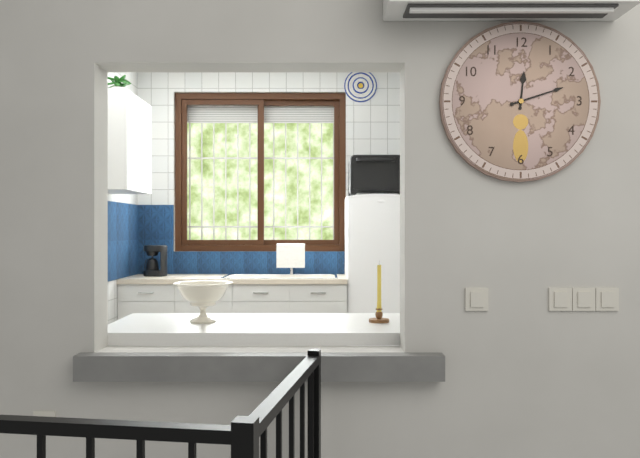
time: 12:12
